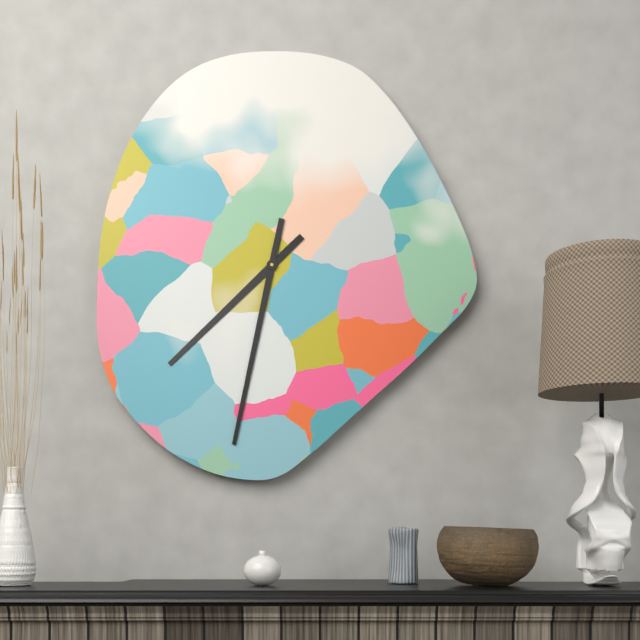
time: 7:32
